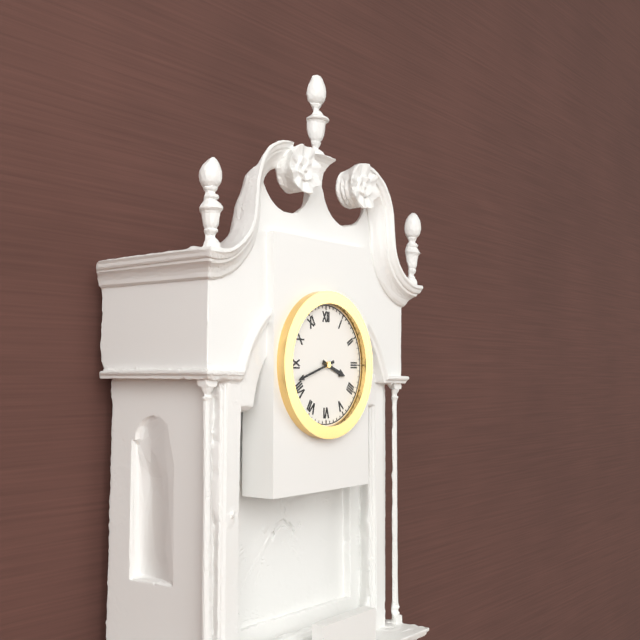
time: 3:42
